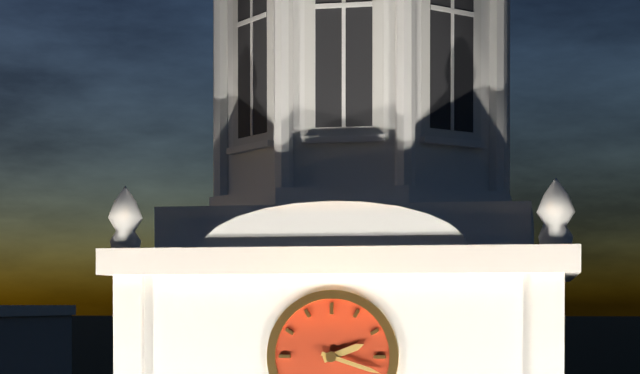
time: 2:18
